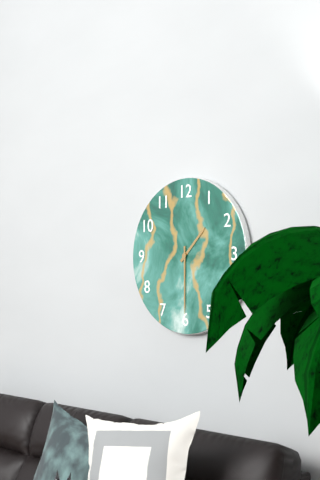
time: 1:30
